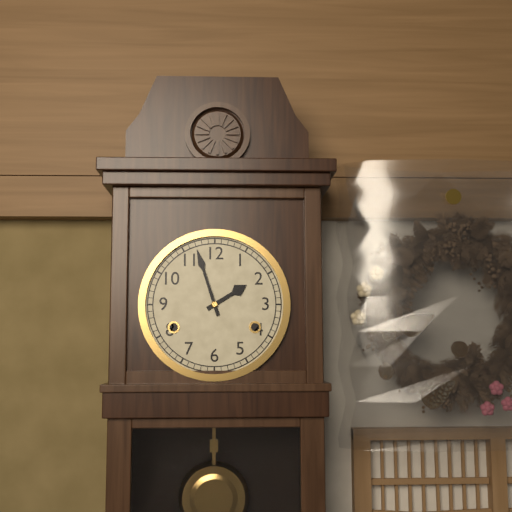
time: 1:57
